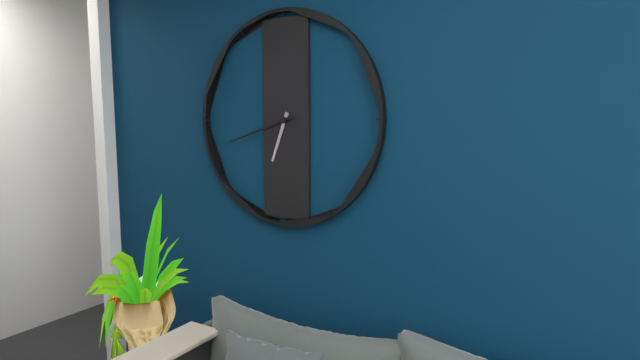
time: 6:42
